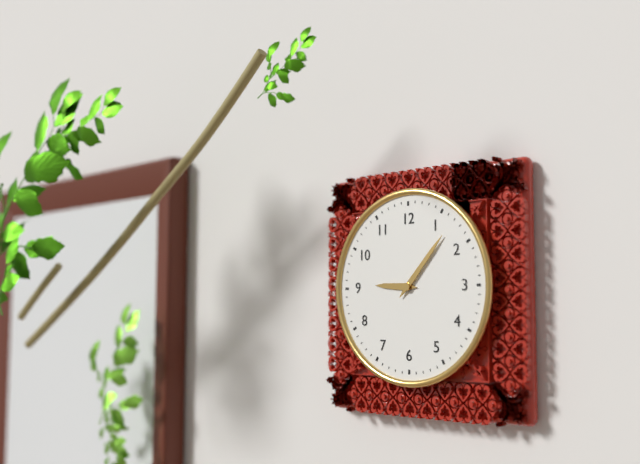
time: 9:07
